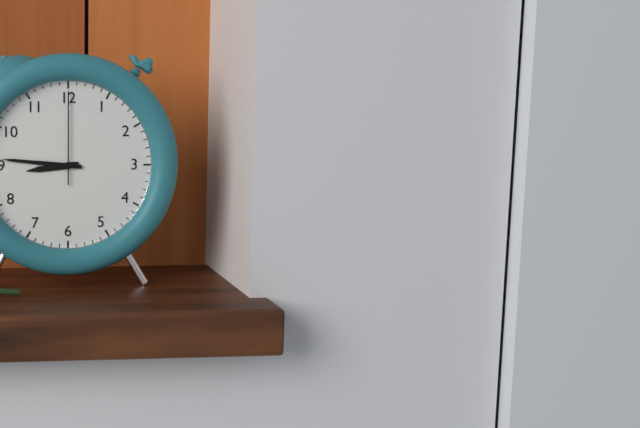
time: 8:46:00
